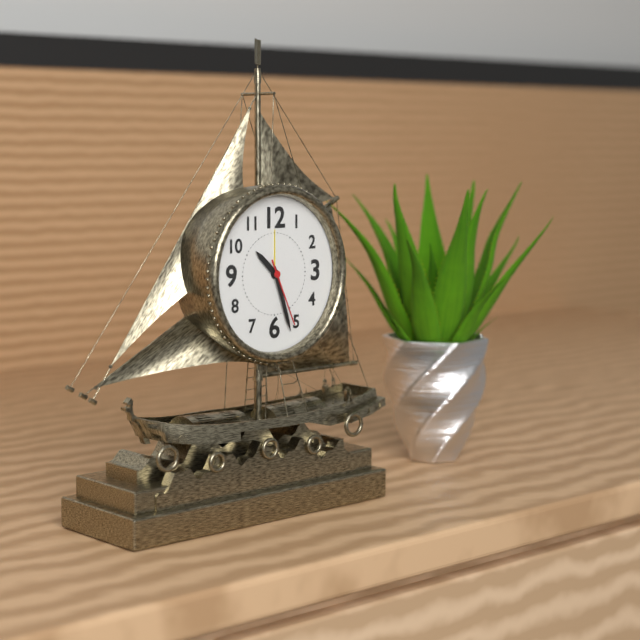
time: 10:27:26
